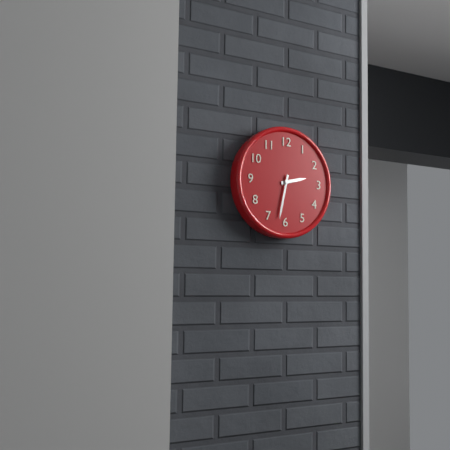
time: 2:32
